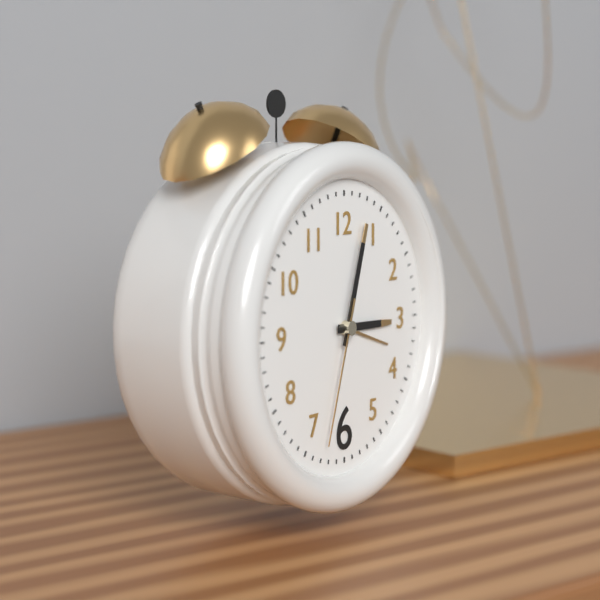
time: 3:03:33
